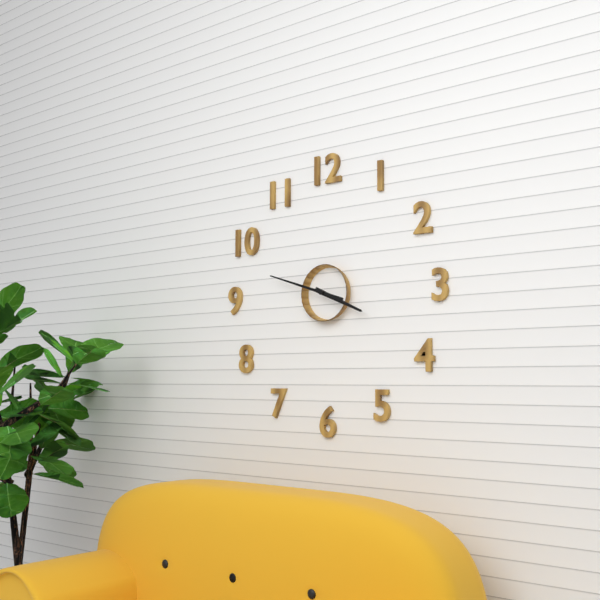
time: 3:48
